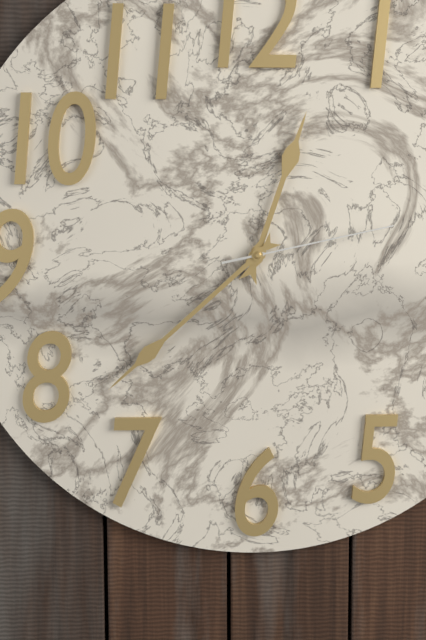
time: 12:38:13
